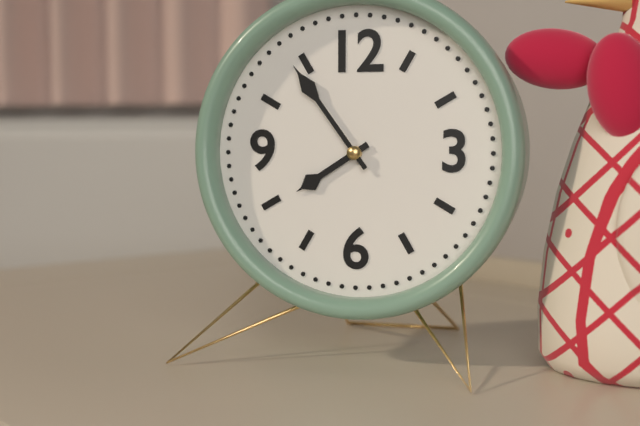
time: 7:54
